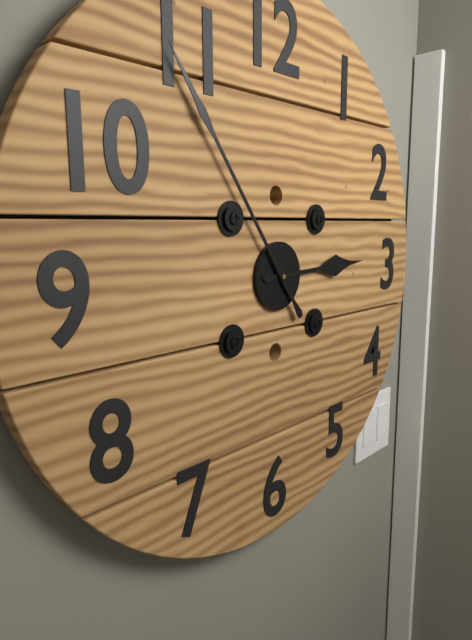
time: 2:54
